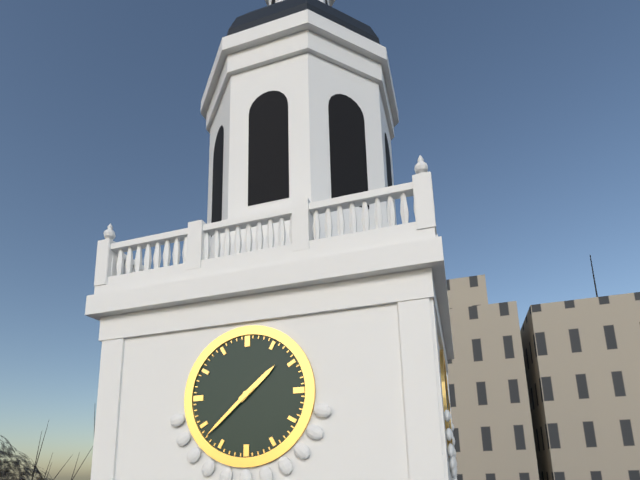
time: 1:38
